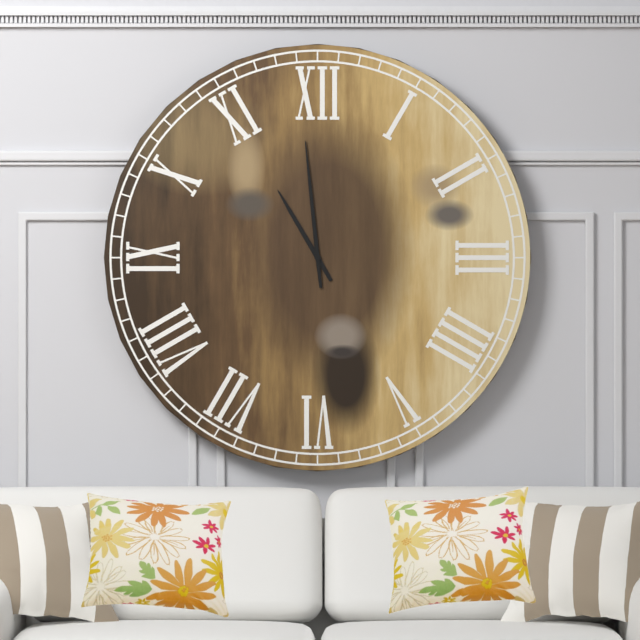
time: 10:59
